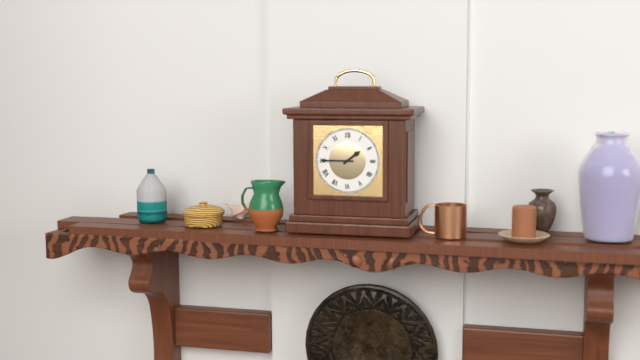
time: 1:45
